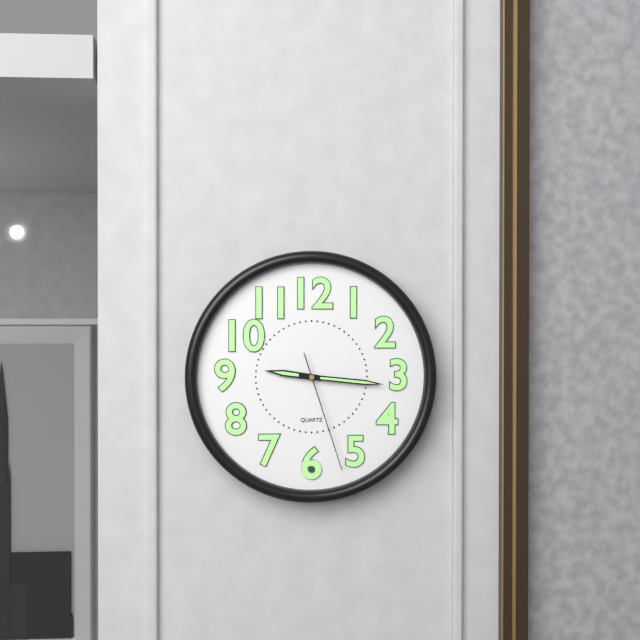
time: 9:16:27
